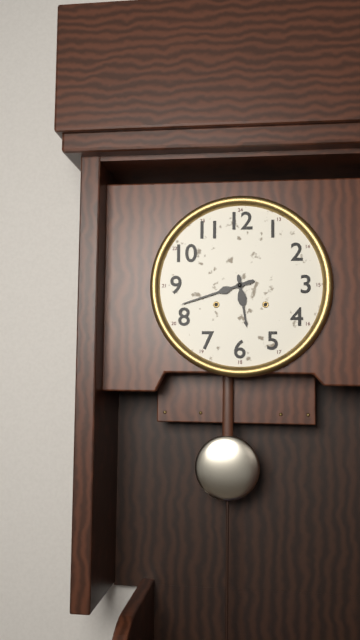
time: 5:42
